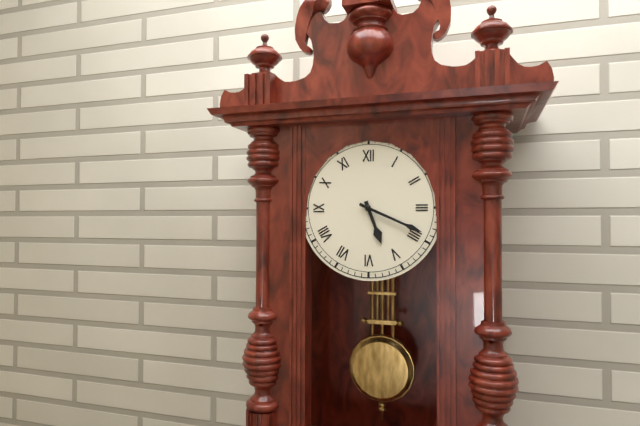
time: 5:19
